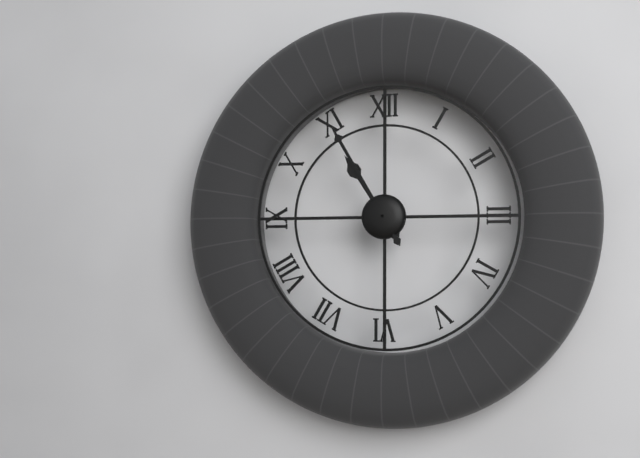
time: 10:55
